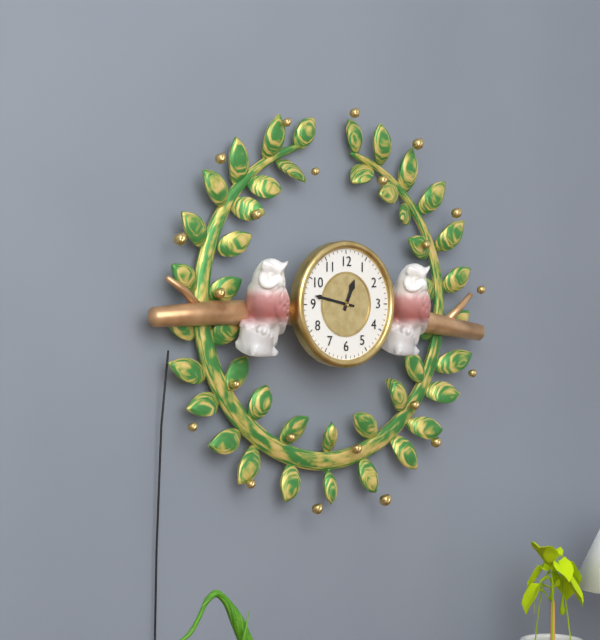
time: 12:47
